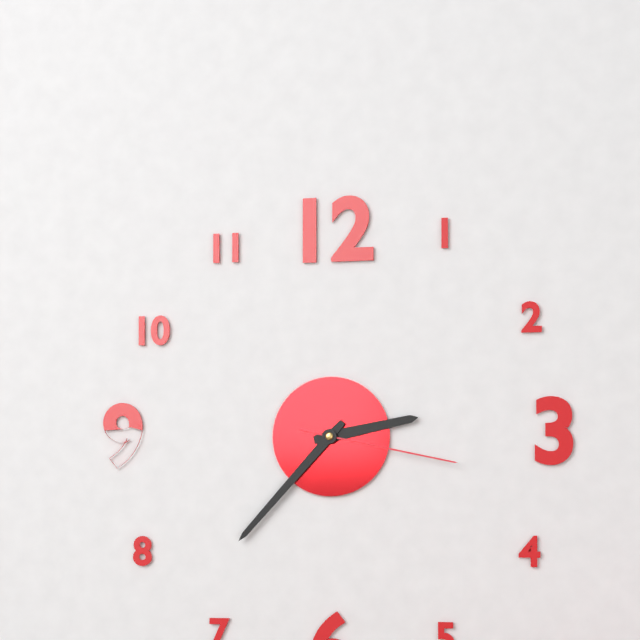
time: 2:37:17
